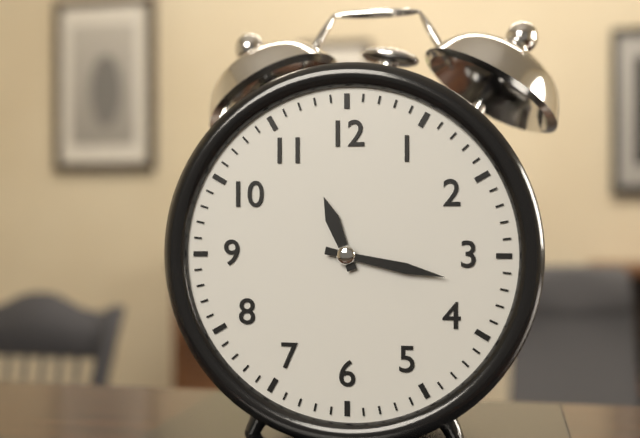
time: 11:17
